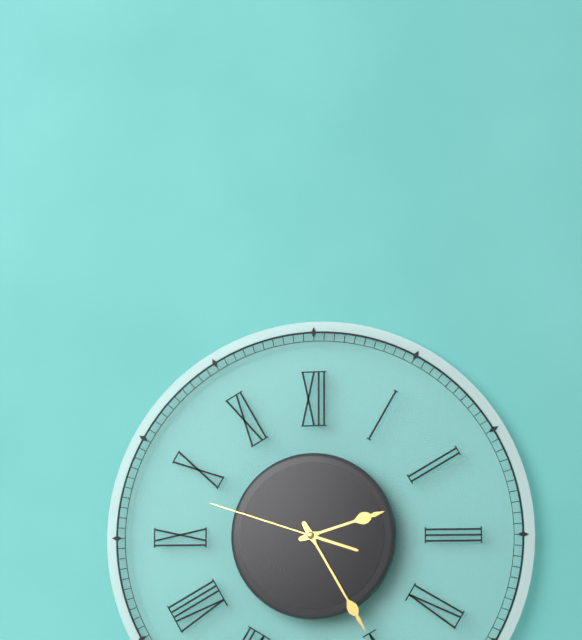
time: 2:25:48
